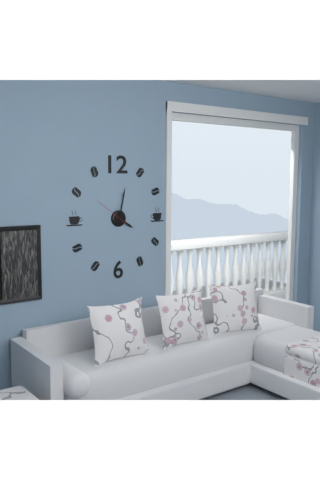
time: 4:02
